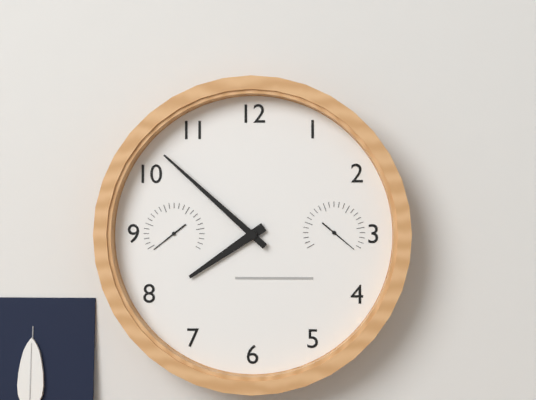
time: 7:52
